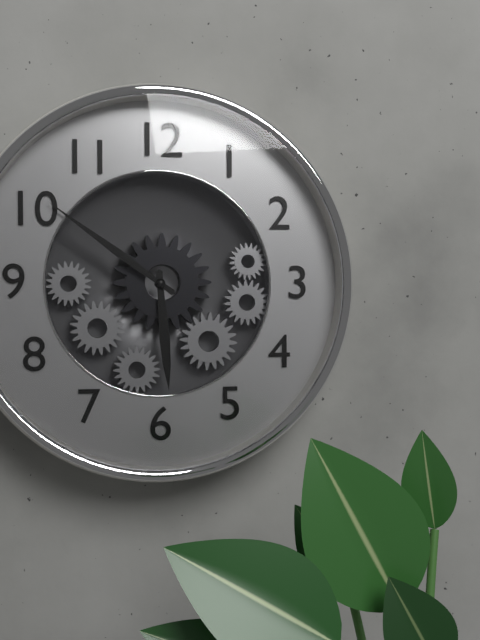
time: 5:51
